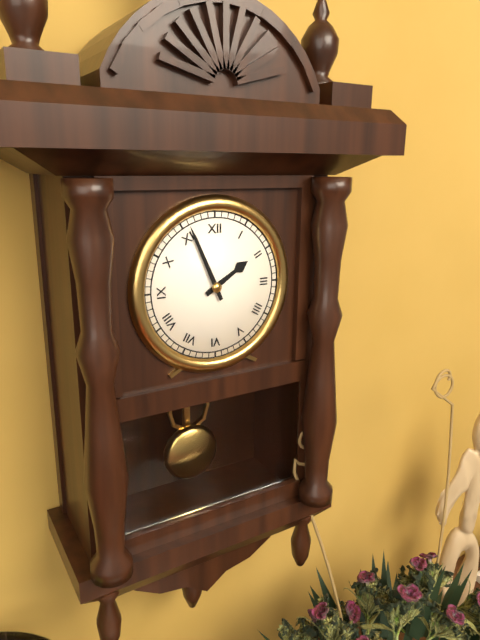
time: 1:56
